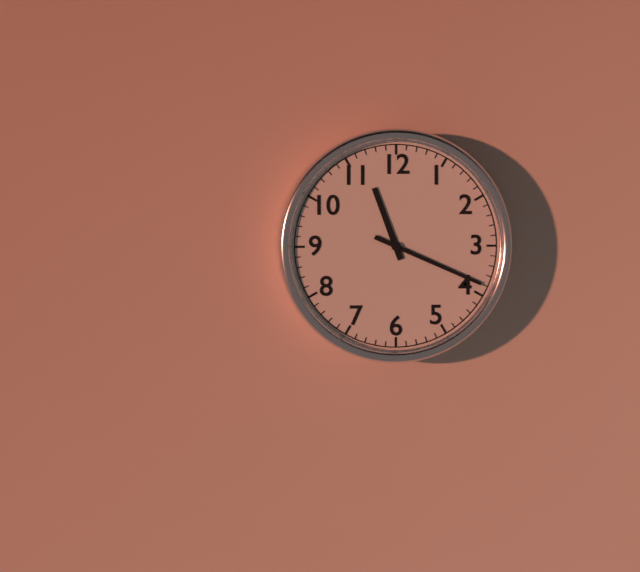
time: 11:19
